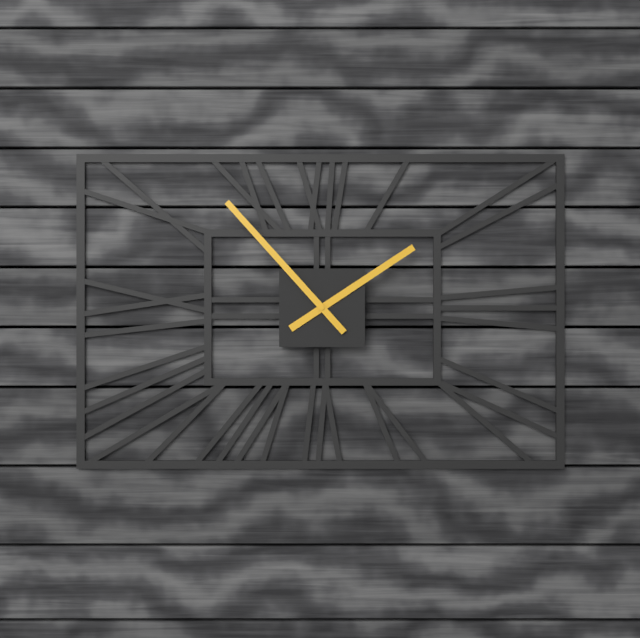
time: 1:53
